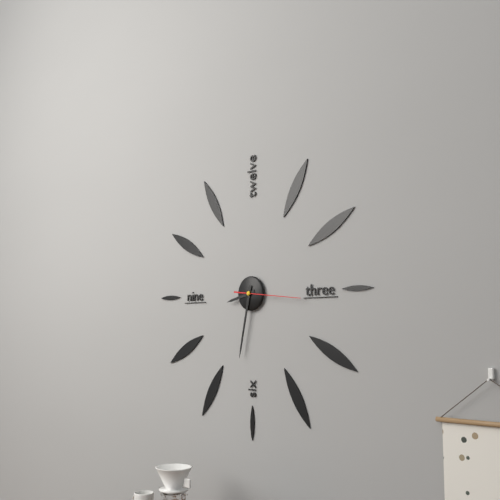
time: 8:32:16
